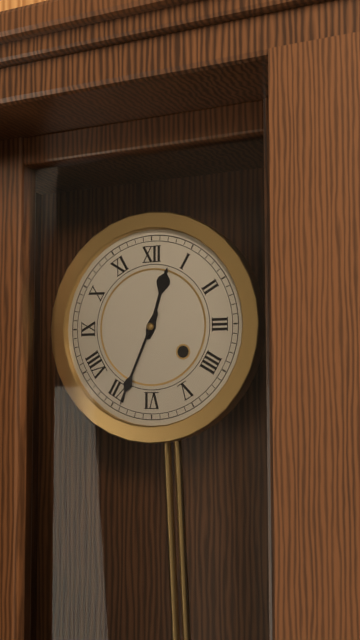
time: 12:34
